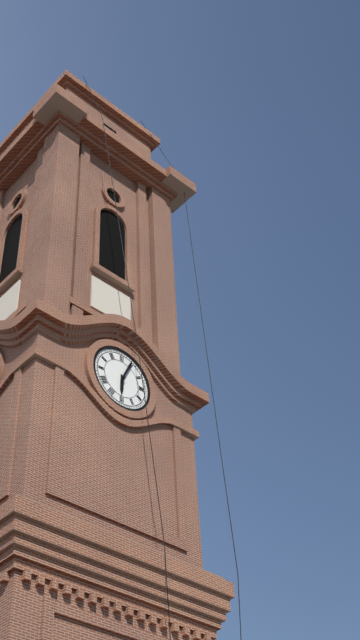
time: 6:04
